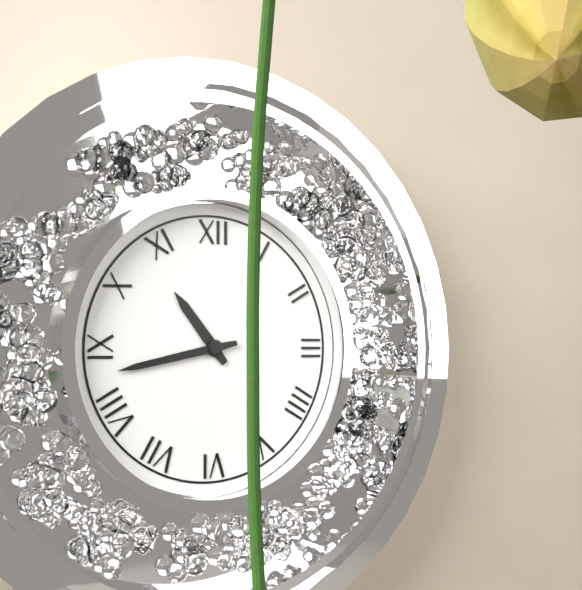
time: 10:43
